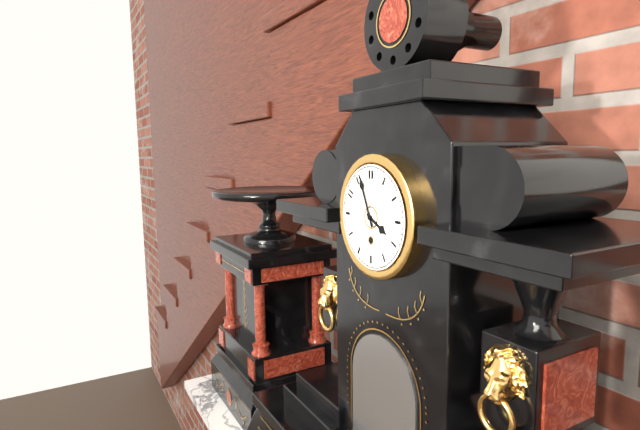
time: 3:56
